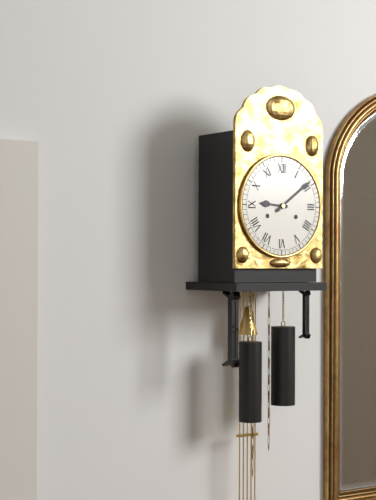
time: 9:09
